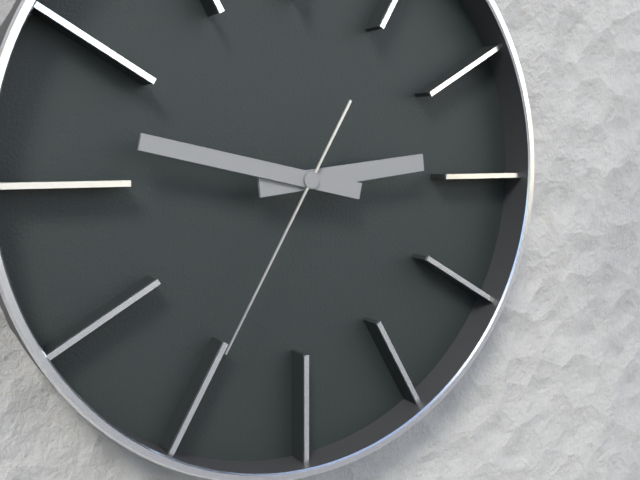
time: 2:47:35
